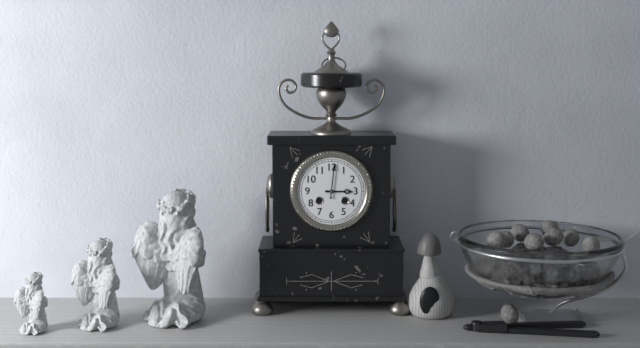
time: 3:01
